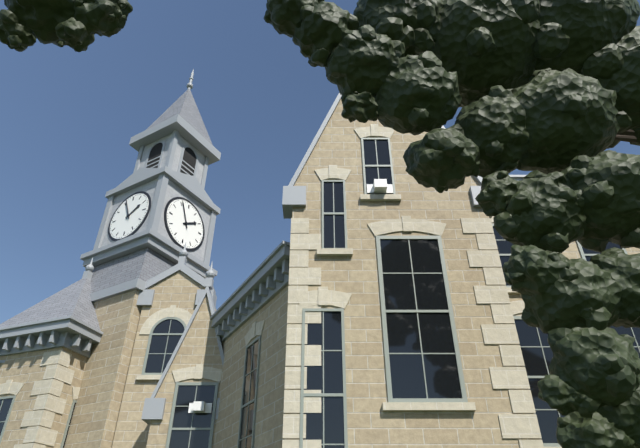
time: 1:56
